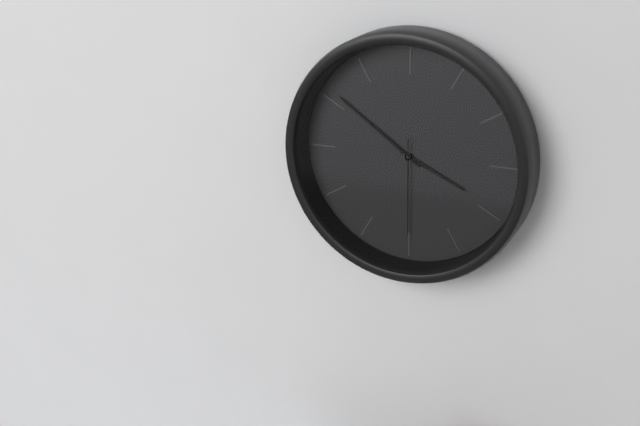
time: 3:51:30
